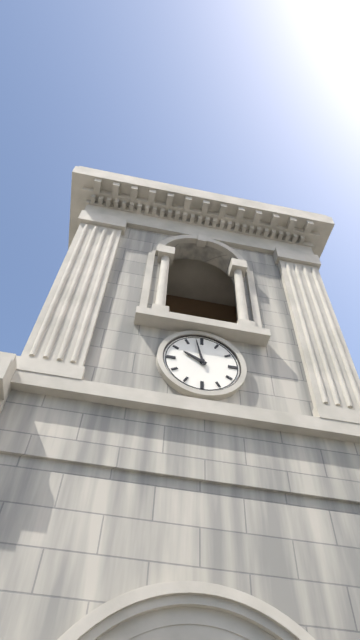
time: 9:58
